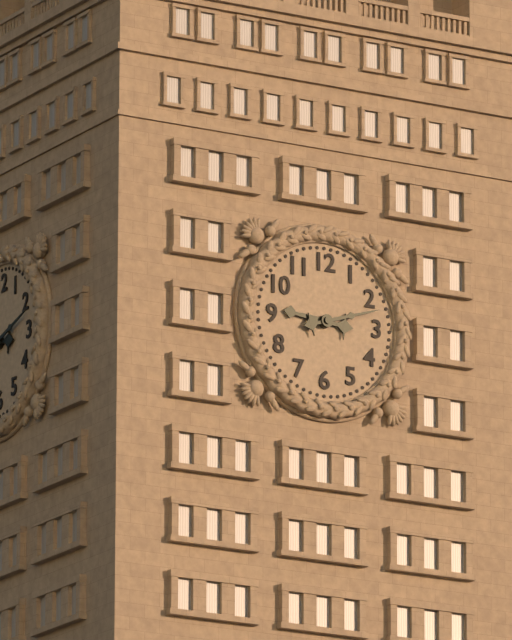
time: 9:12
